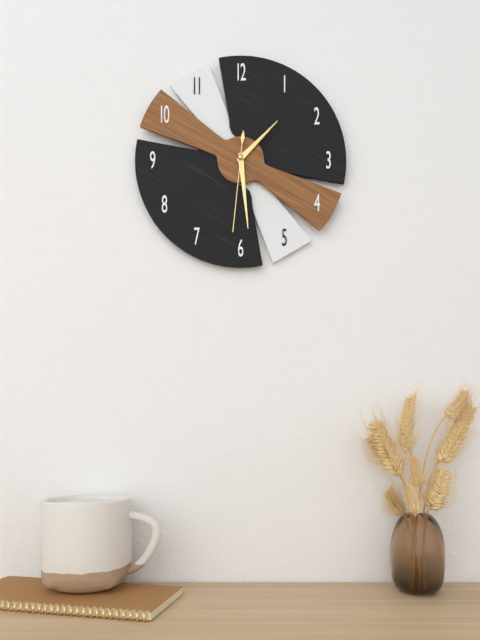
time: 1:29:31
